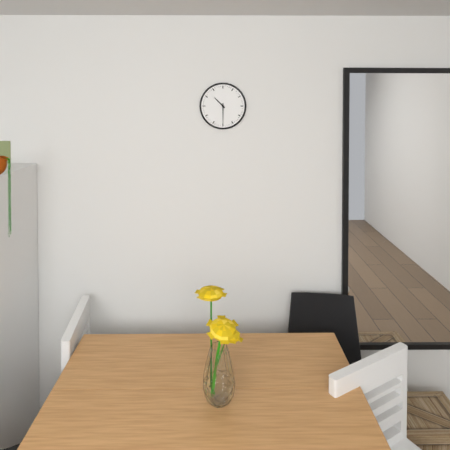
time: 10:30
